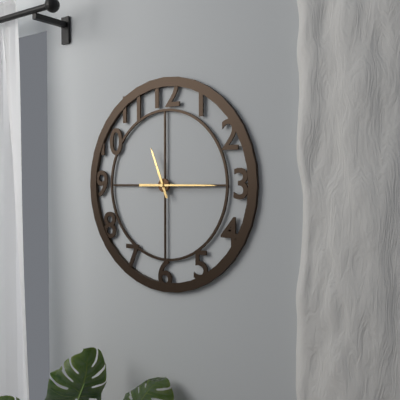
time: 11:15
